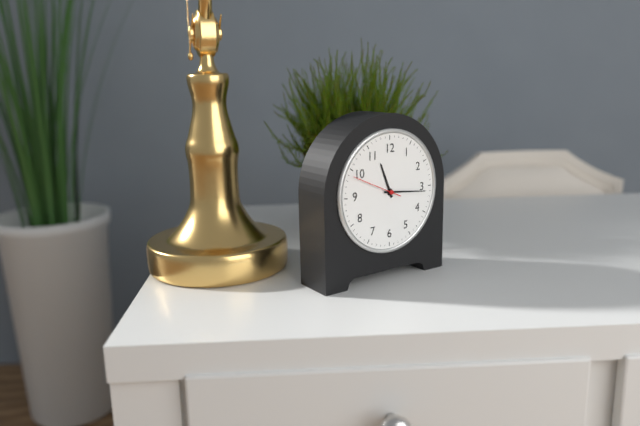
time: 11:16
